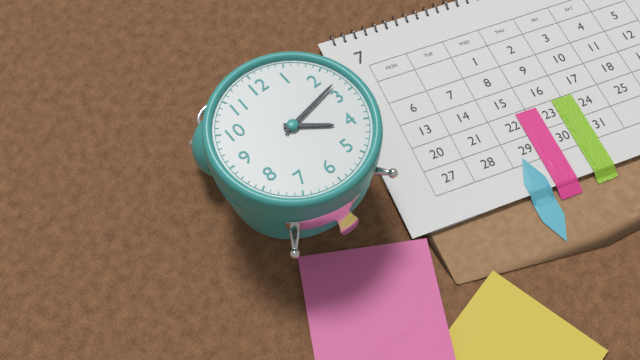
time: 4:13
